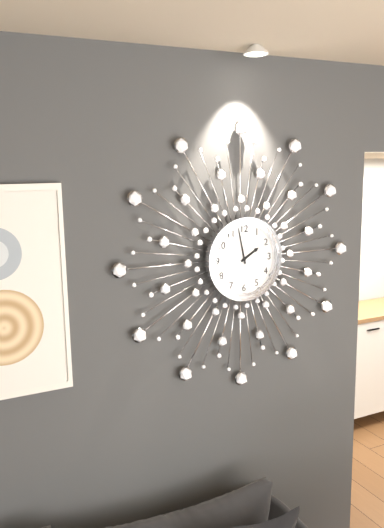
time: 1:58
